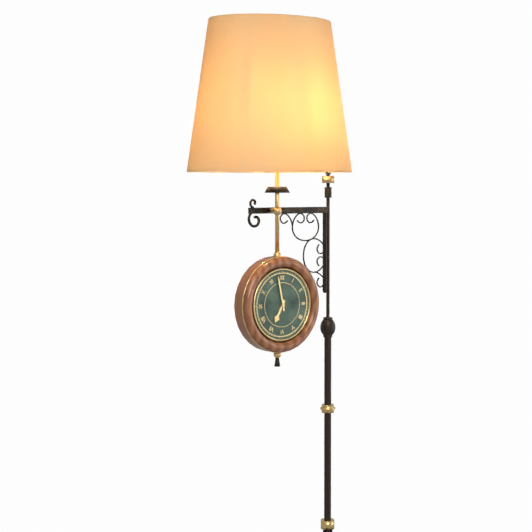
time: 6:58
